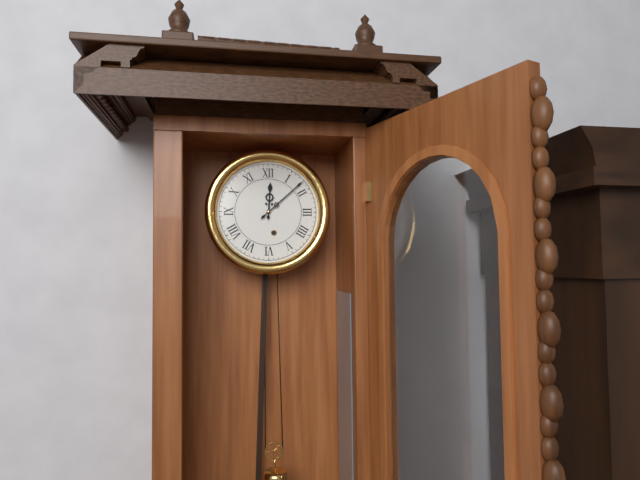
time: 12:08
